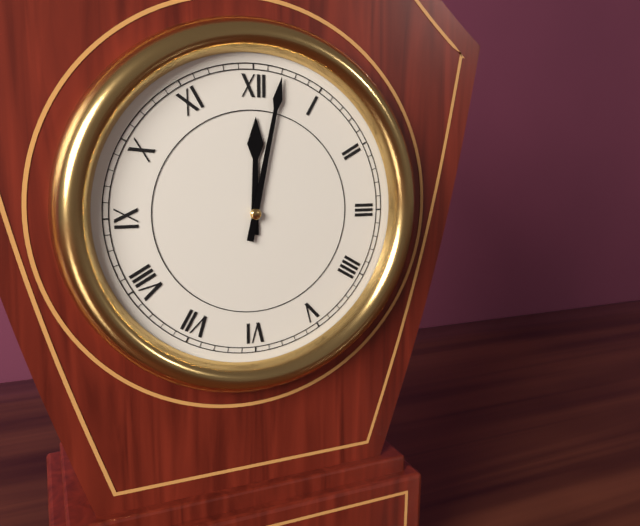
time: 12:02
